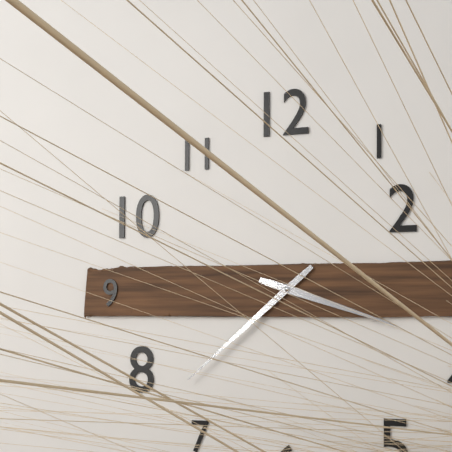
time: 3:38
